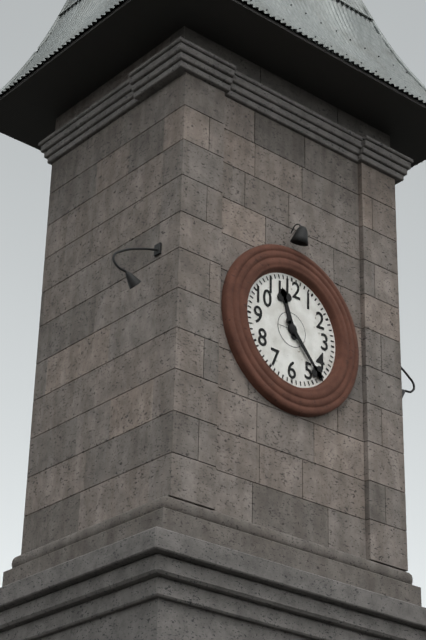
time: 11:23
